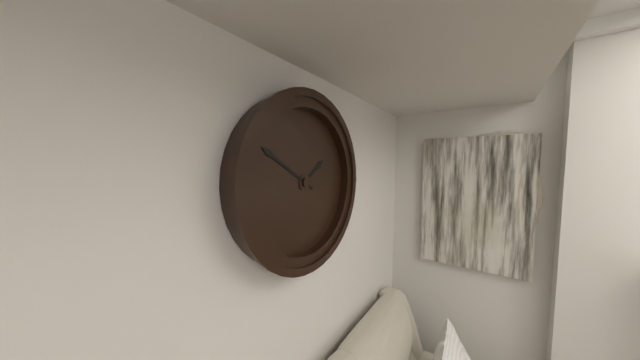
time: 1:50
